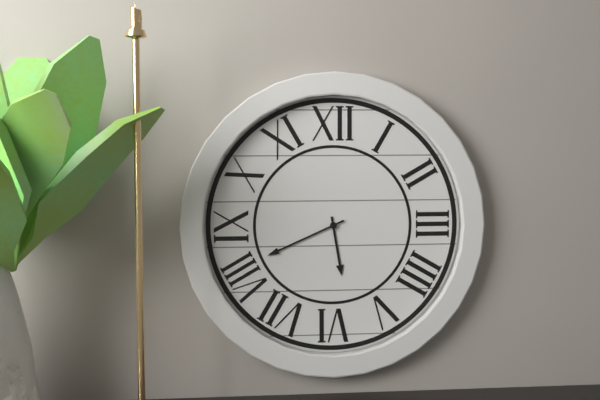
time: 5:41
